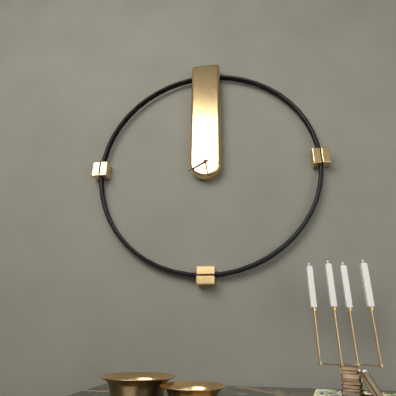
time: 5:40
